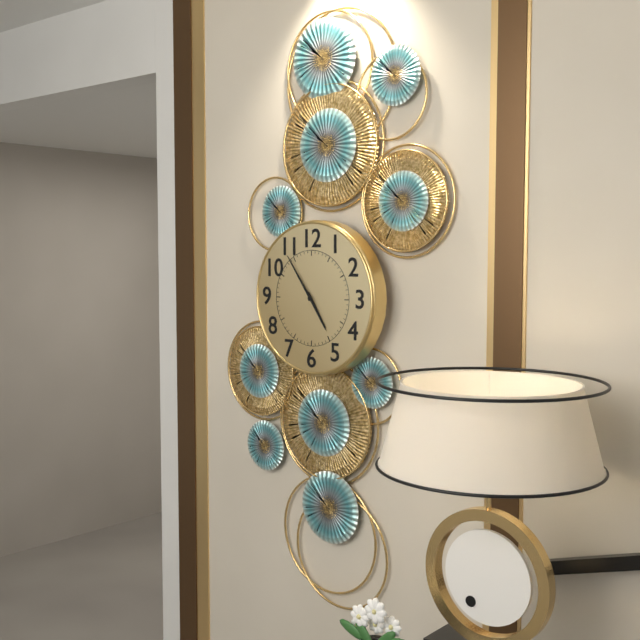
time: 4:54
